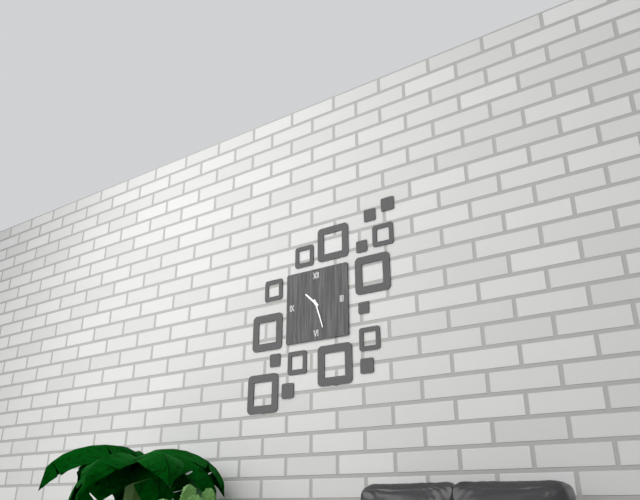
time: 10:27
